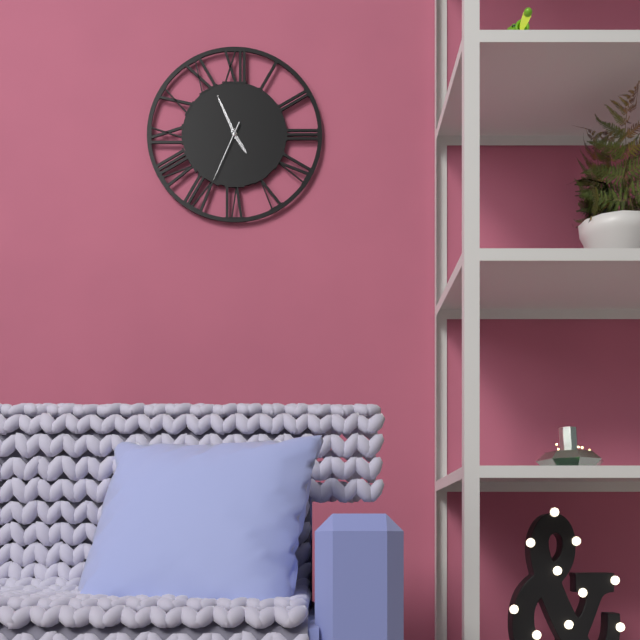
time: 4:56:34
